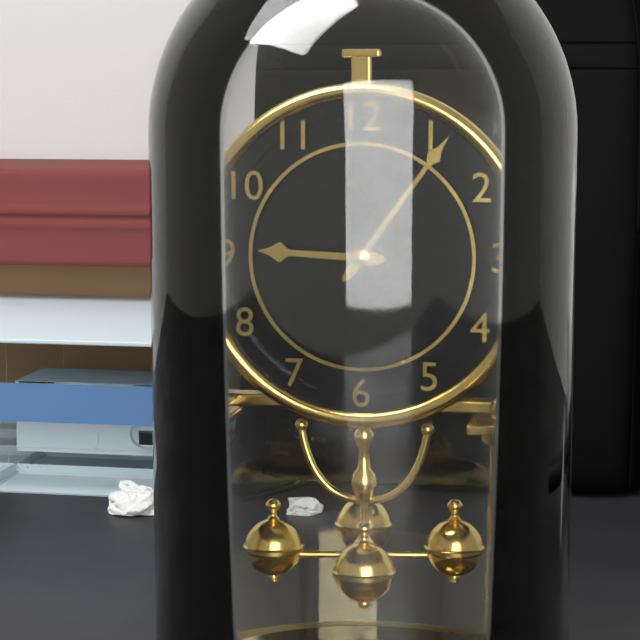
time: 9:06
